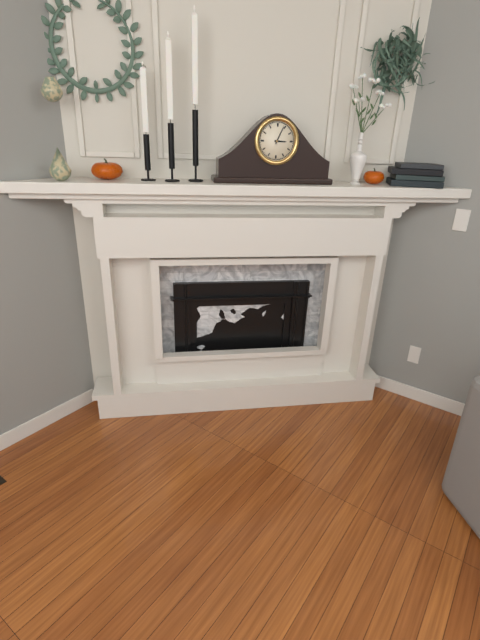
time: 3:04
